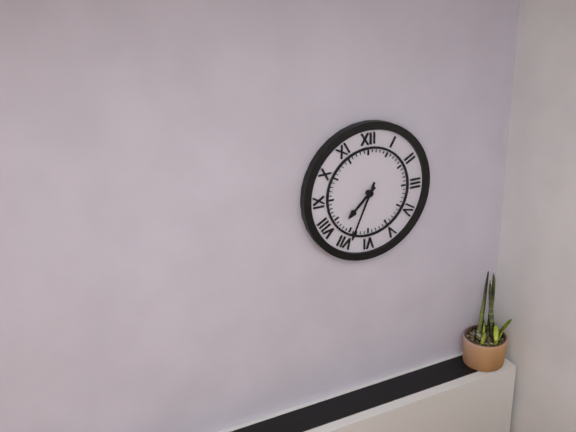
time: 7:34
